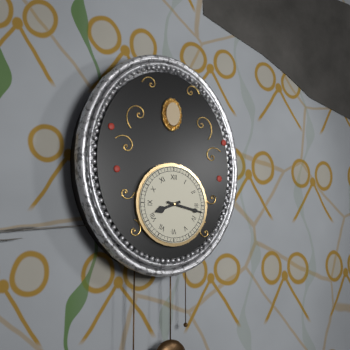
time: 8:17
